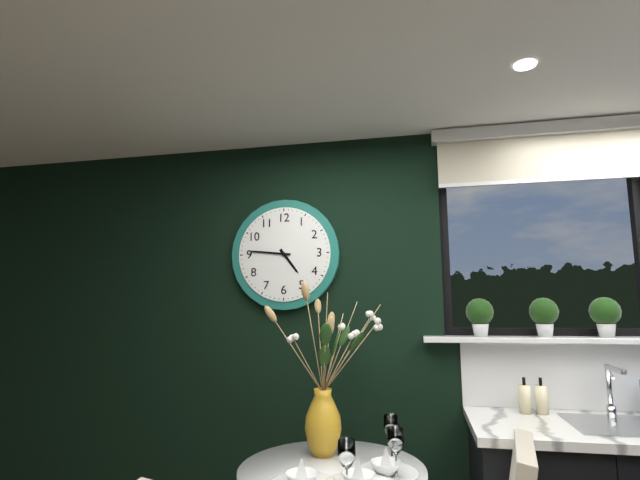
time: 4:46
